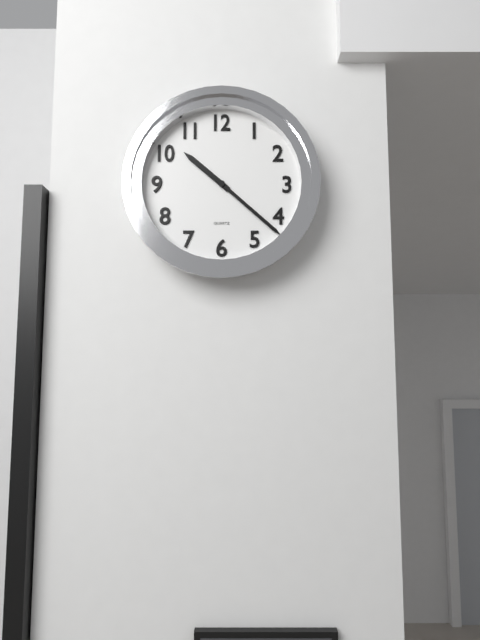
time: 10:22
